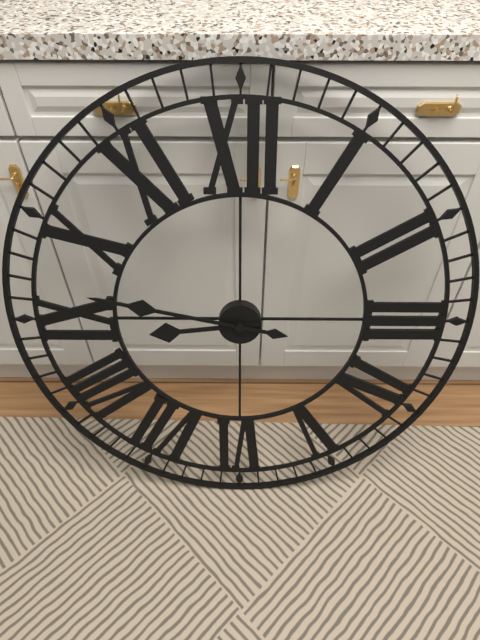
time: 8:47
